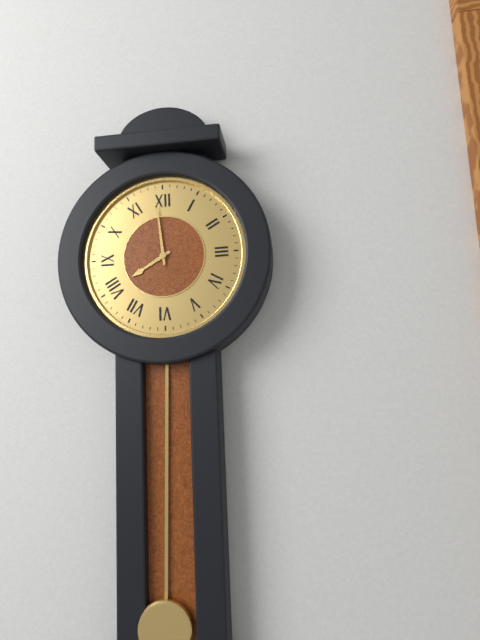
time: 7:59
